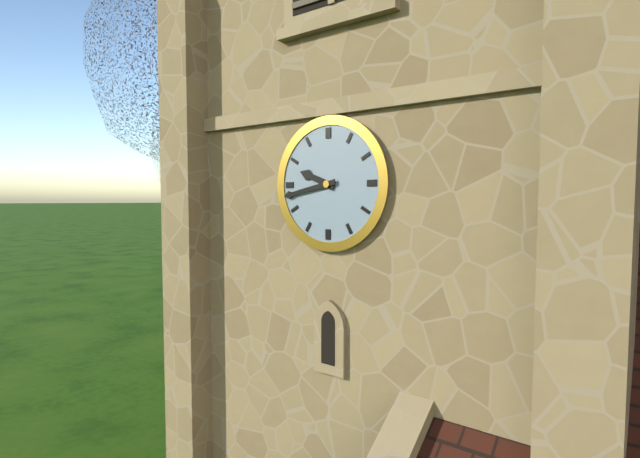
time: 9:43
